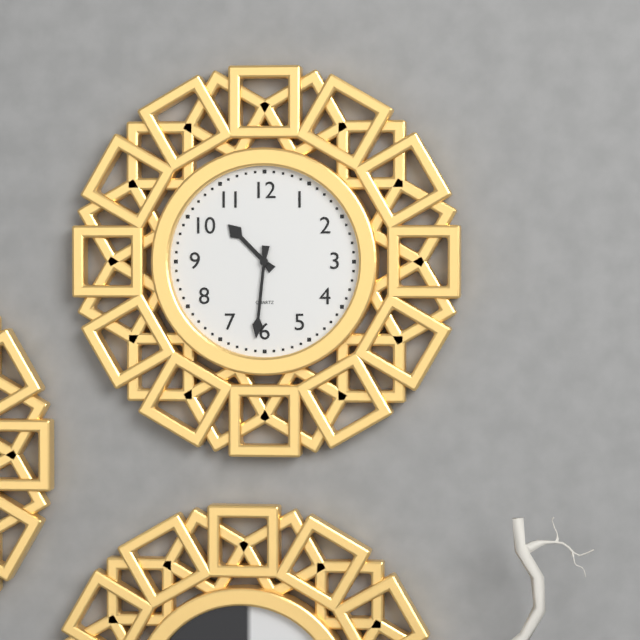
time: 10:31
